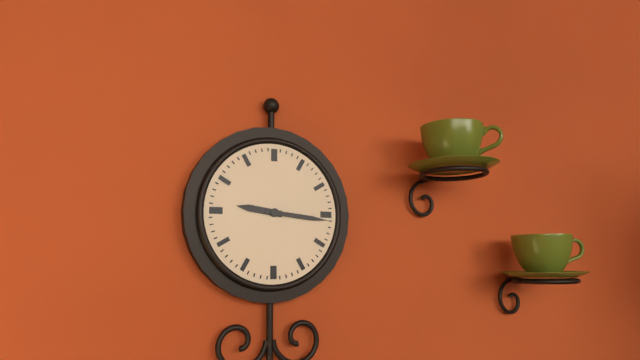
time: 9:16
